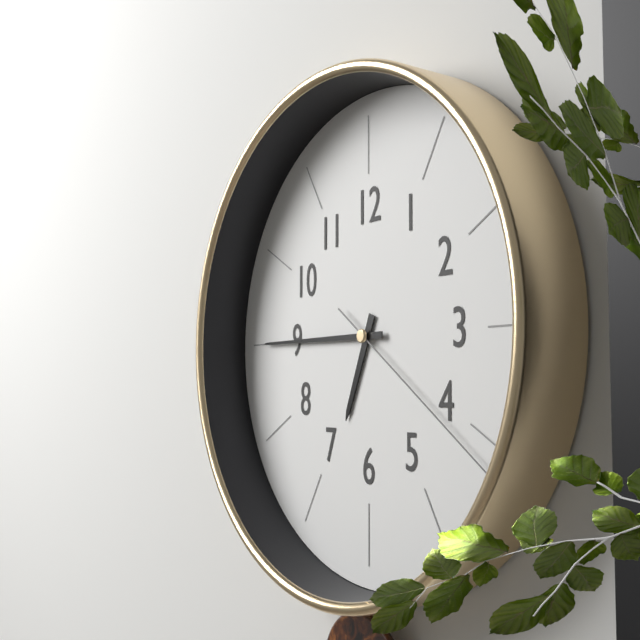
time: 6:45:21
